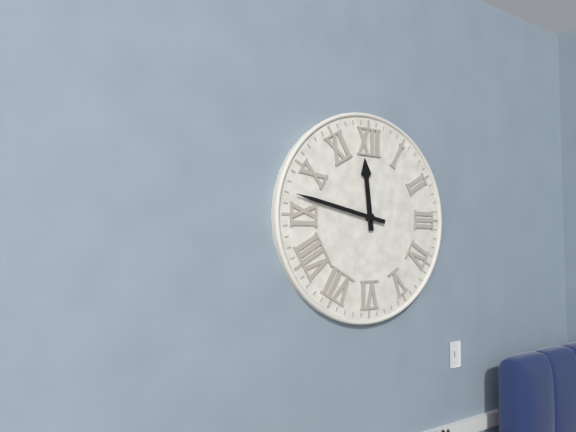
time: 11:47
